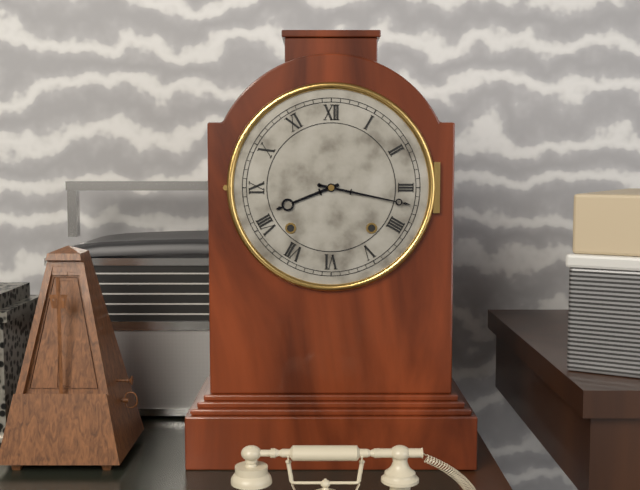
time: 8:17
